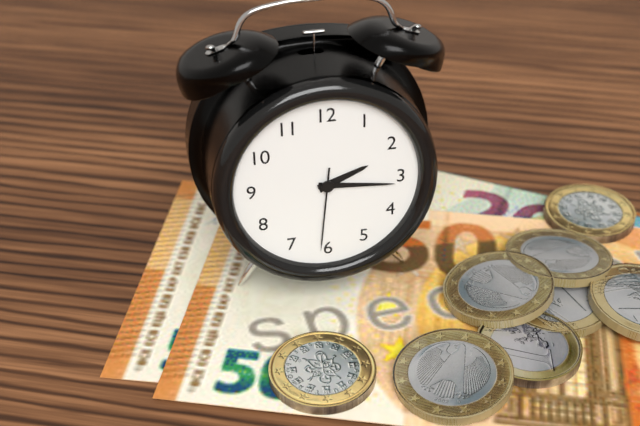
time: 2:16:31
